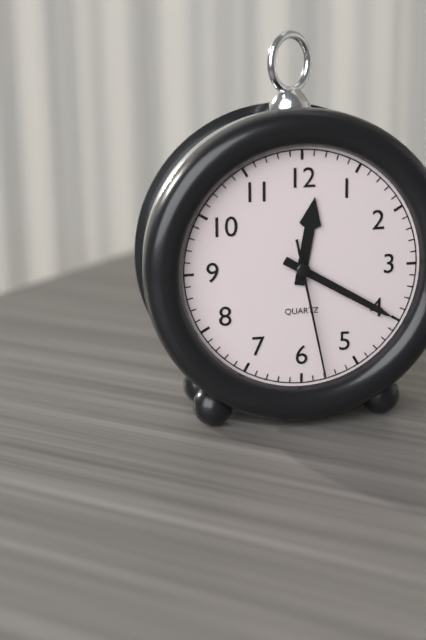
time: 12:20:28
